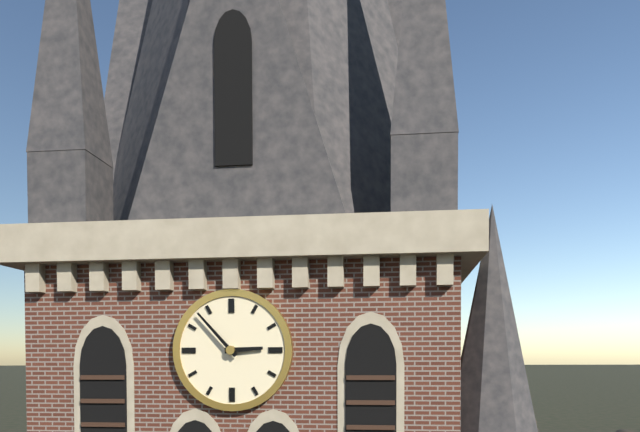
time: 2:53
